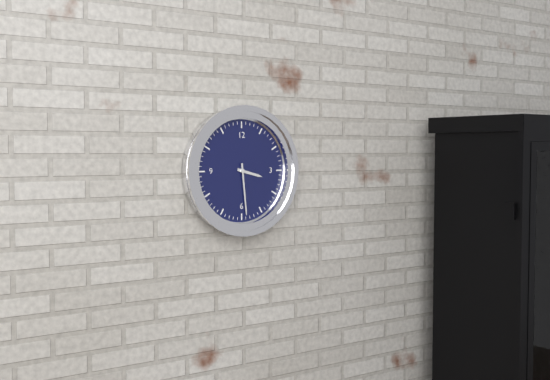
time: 3:29
